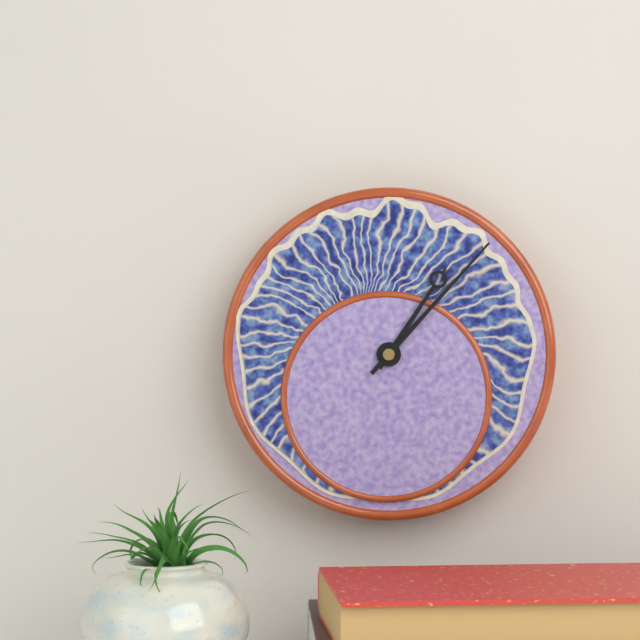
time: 1:07
